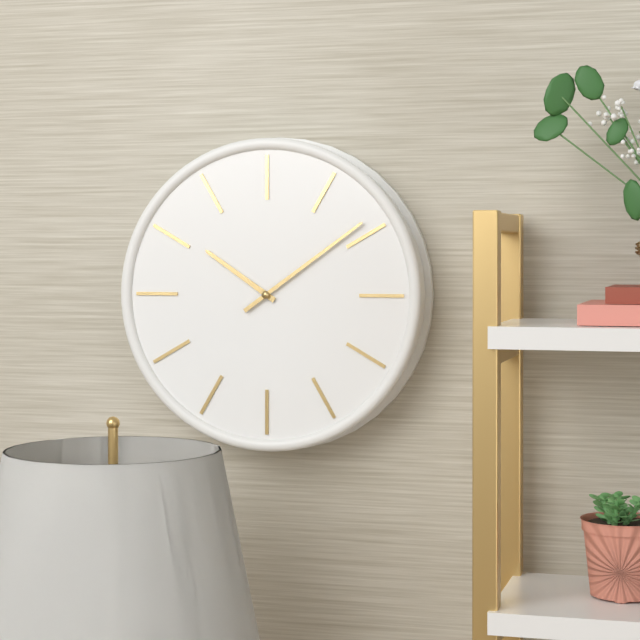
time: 10:09
